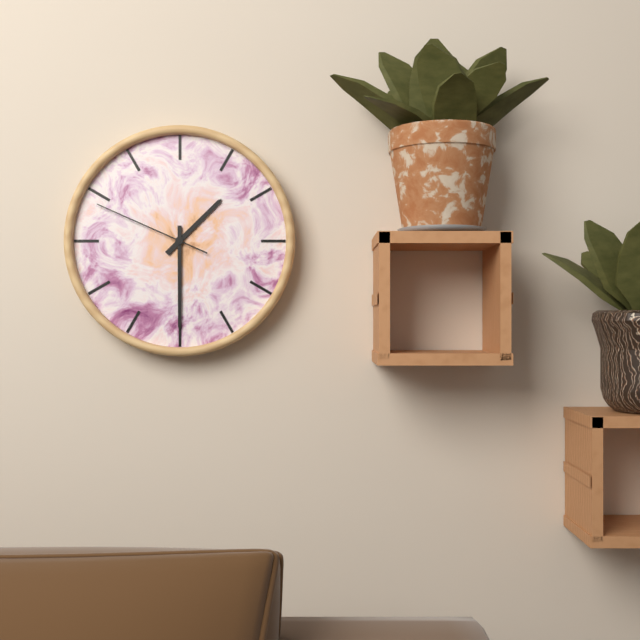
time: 1:30:49
